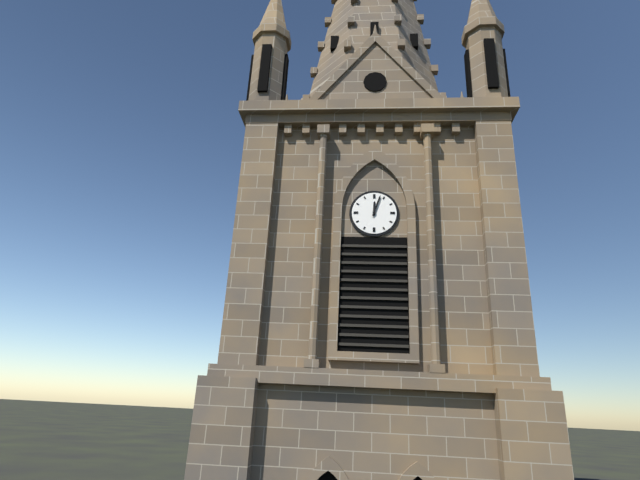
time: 12:03
